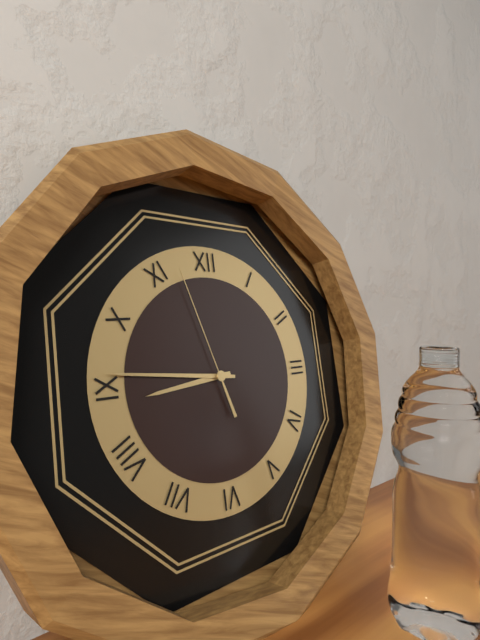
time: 8:46:57
